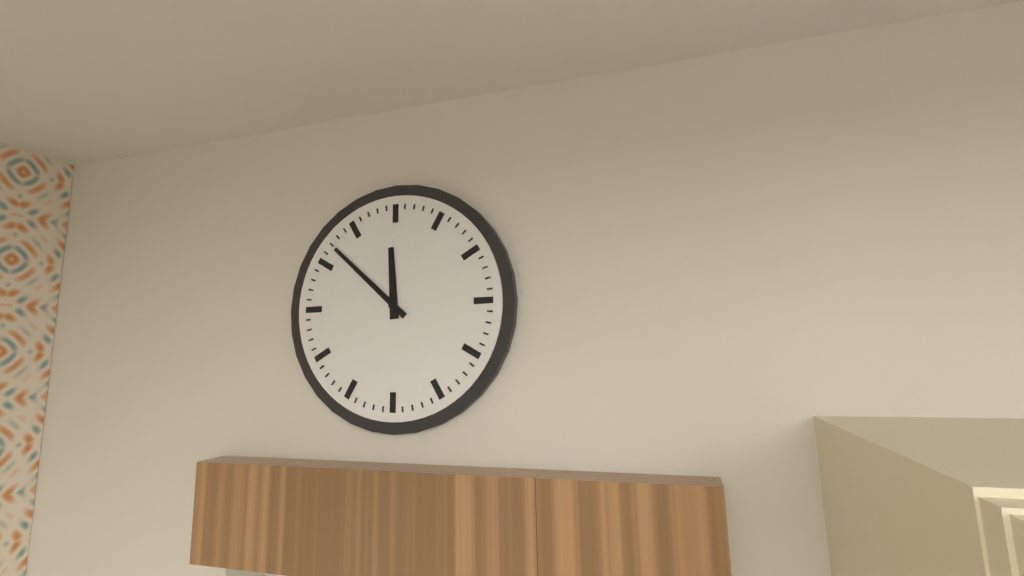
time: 11:52
